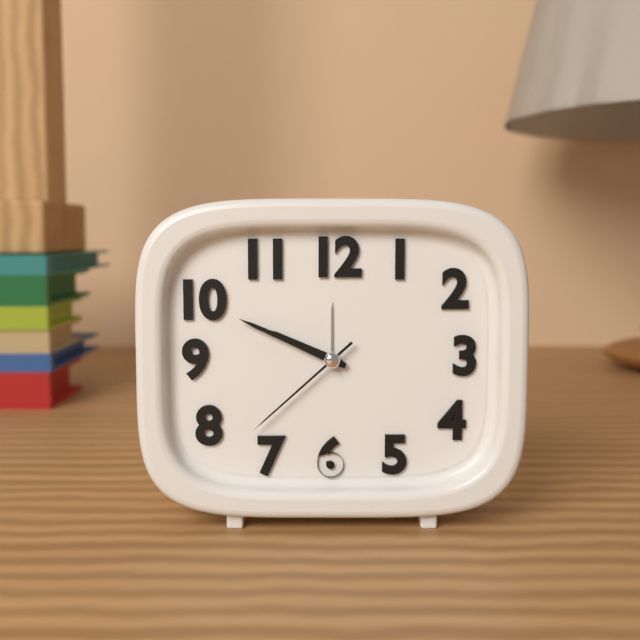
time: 9:49:38
